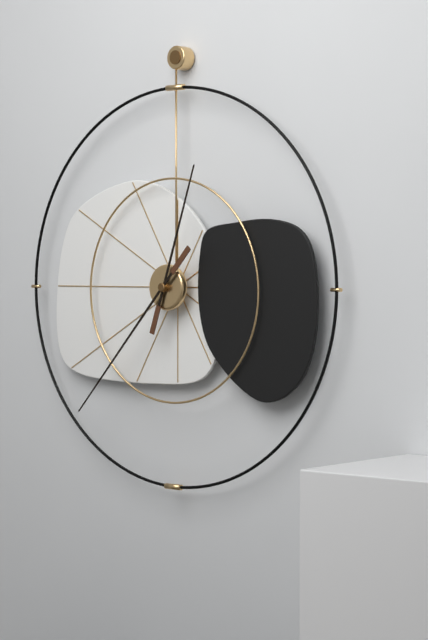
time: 12:37
